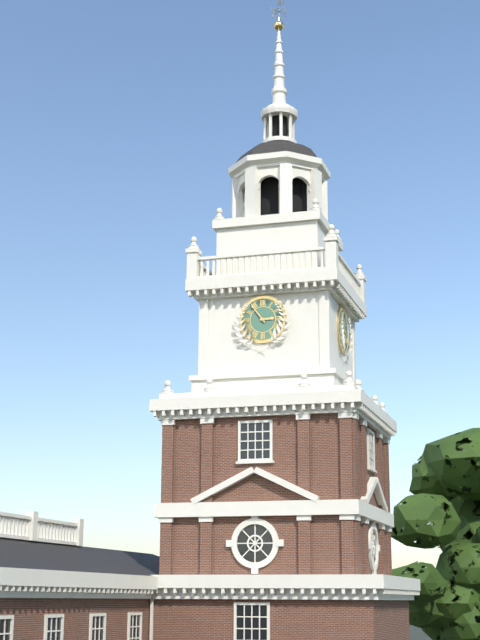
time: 2:54
